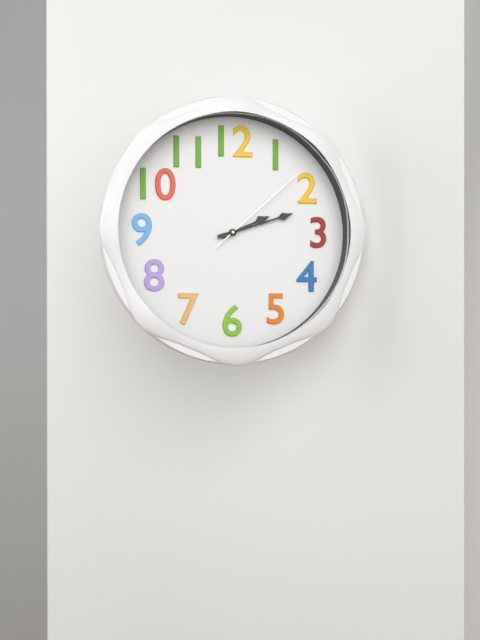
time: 2:12:08
